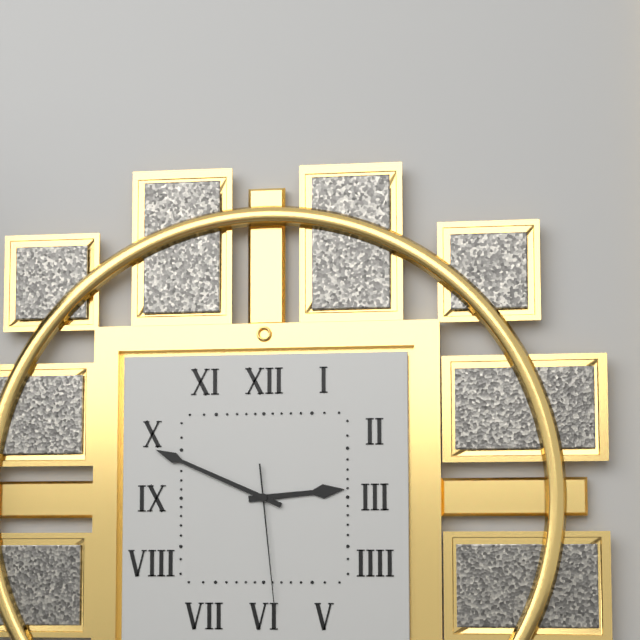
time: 2:49:29
